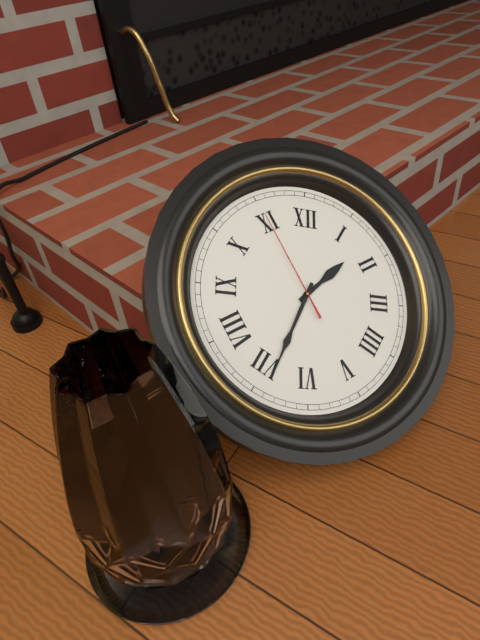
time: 1:34:55
